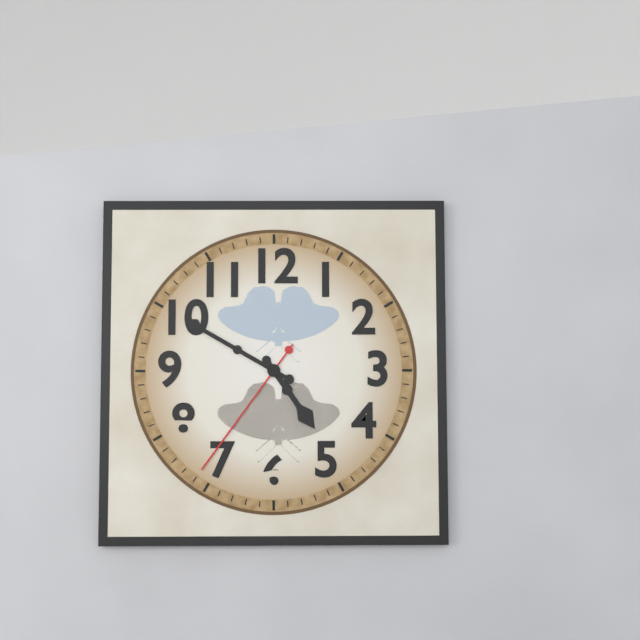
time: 4:50:36
